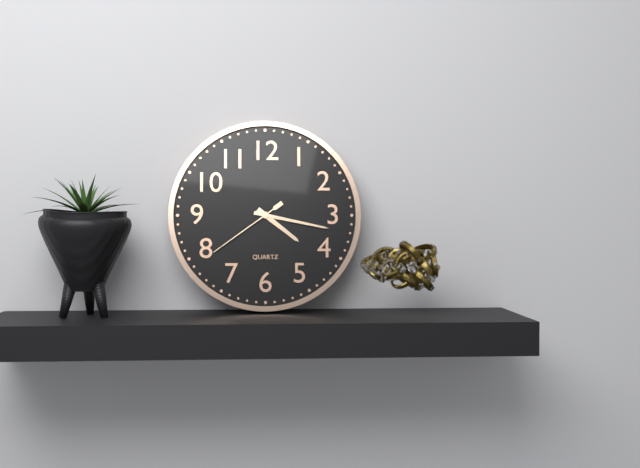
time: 4:17:39
